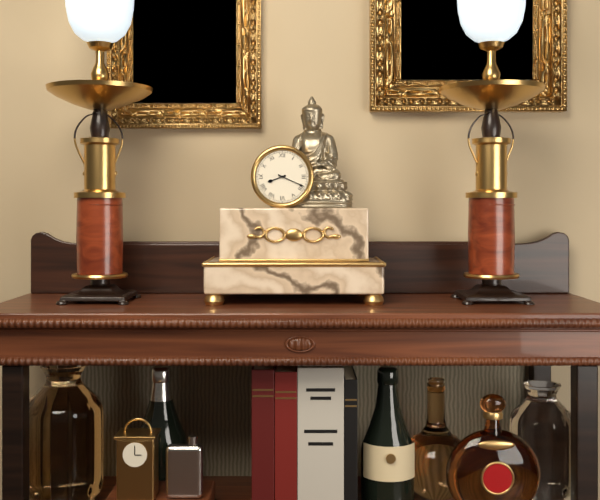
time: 8:19
